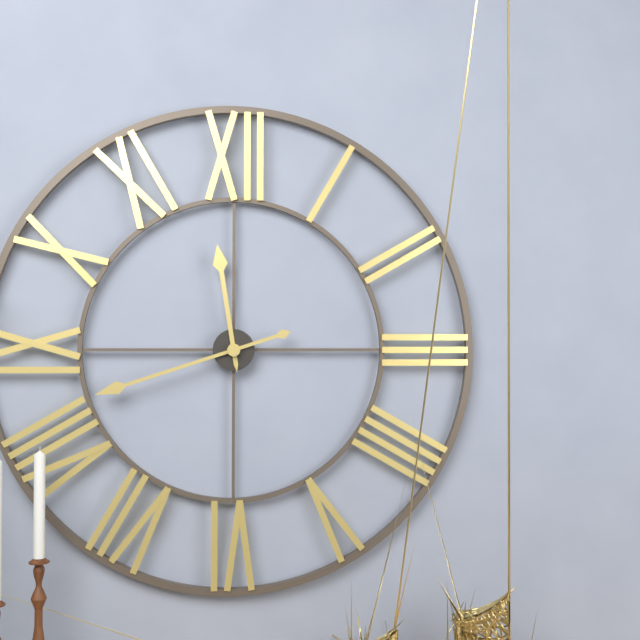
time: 11:42
